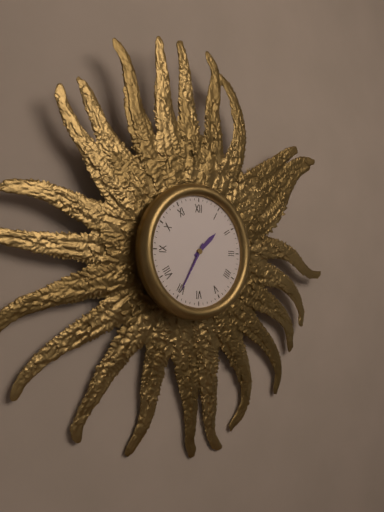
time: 1:35
